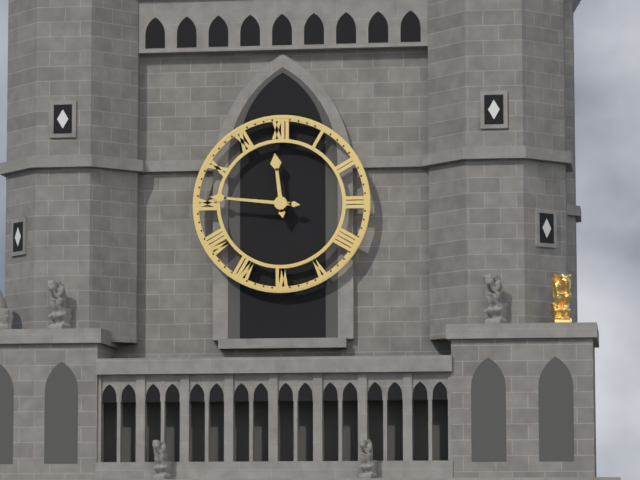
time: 11:46
